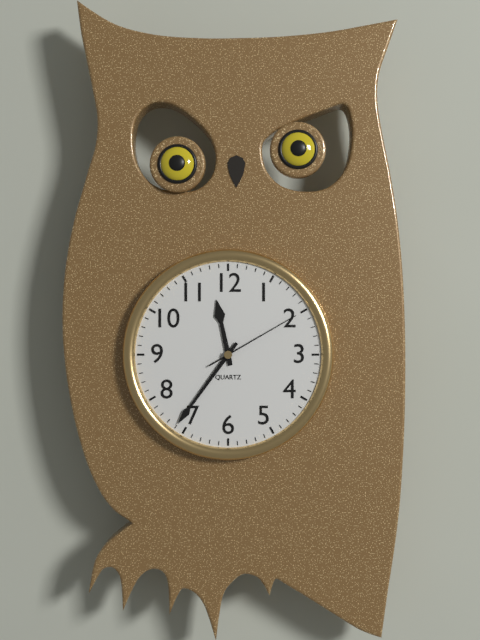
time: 11:36:10
